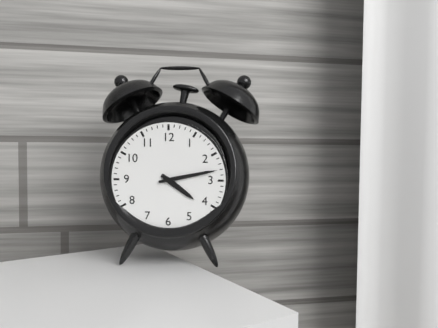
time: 4:13
